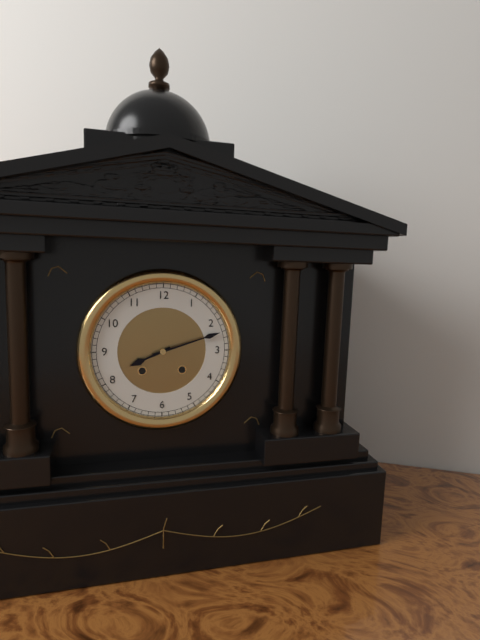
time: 8:12
